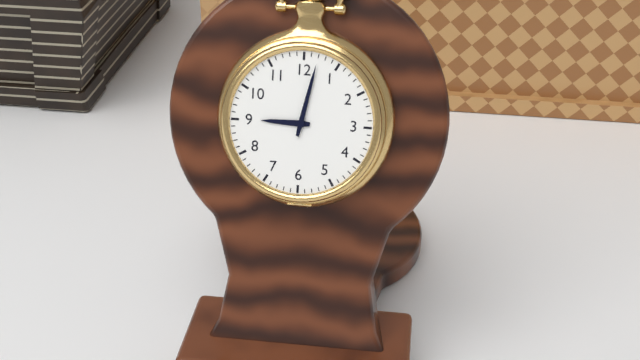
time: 9:02
